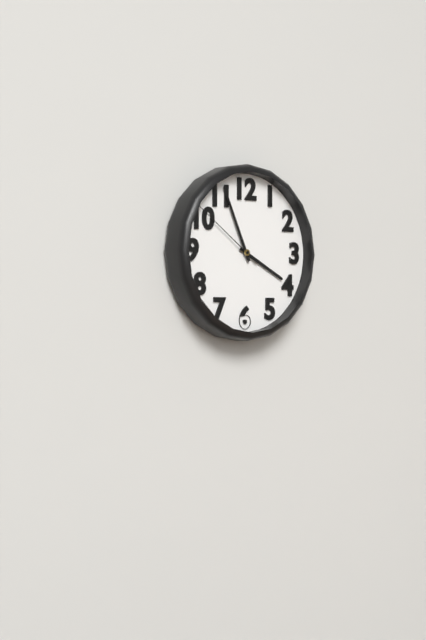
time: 3:56:51
